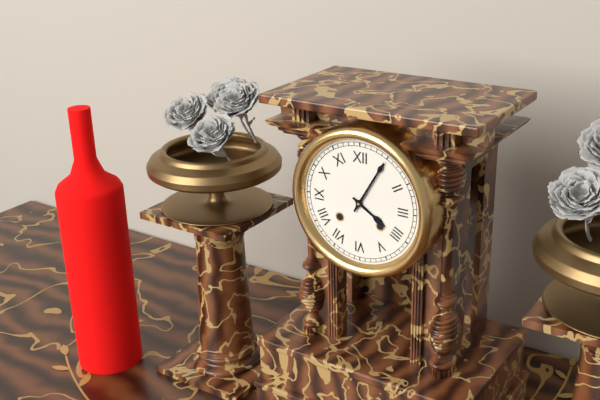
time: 4:05
